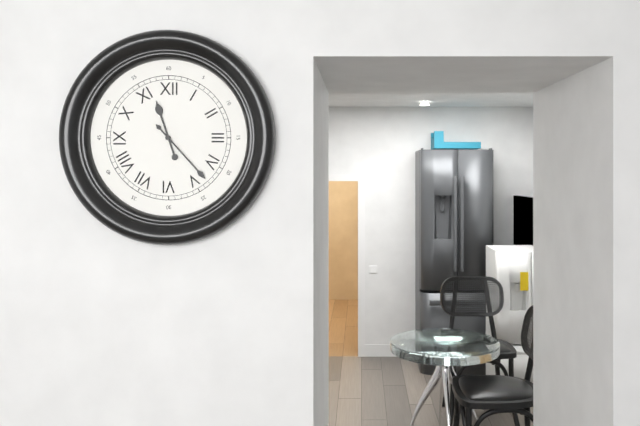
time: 11:23
